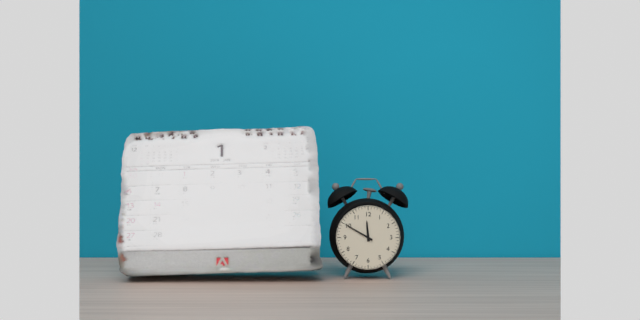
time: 11:50
